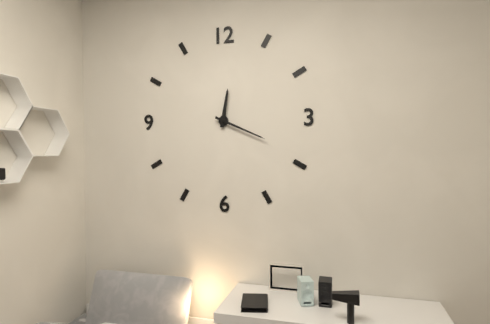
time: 12:19
